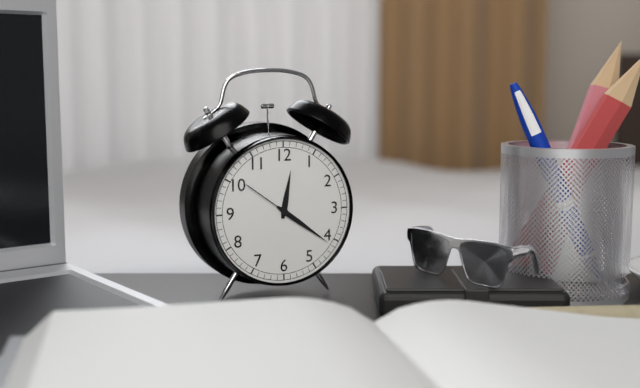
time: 12:21:51
